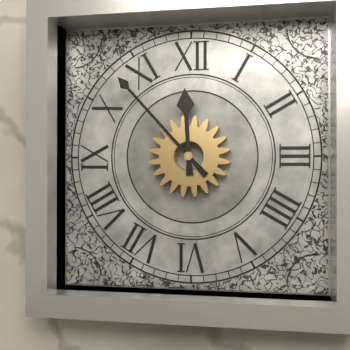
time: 11:53
